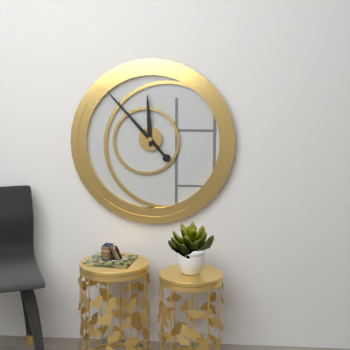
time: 11:53
